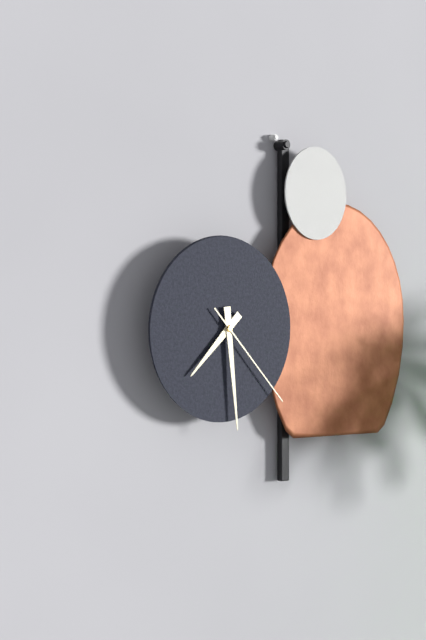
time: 7:29:23
